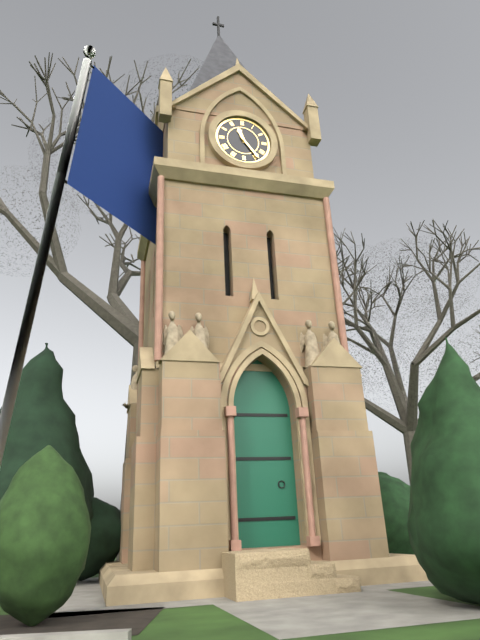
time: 11:24
